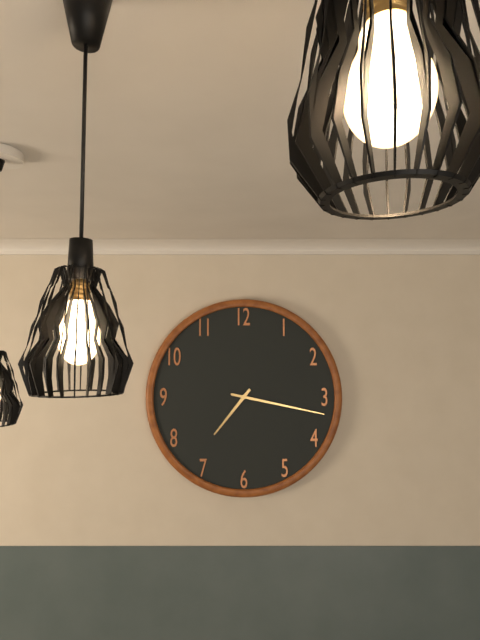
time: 7:17
